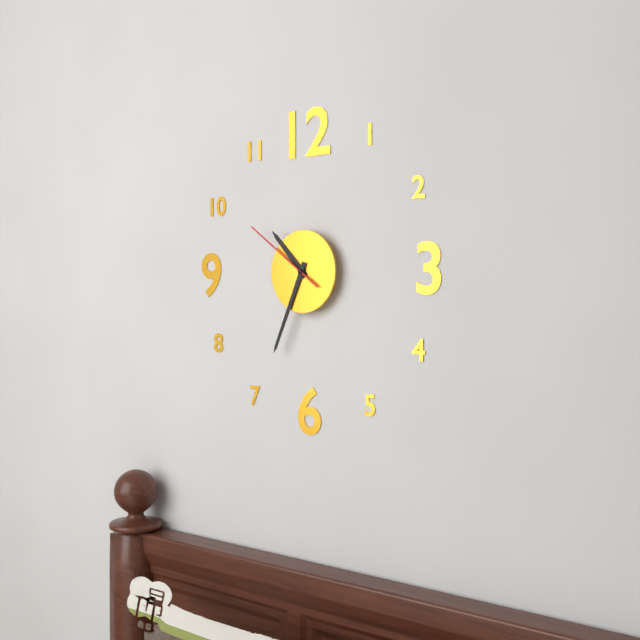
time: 10:34:51
